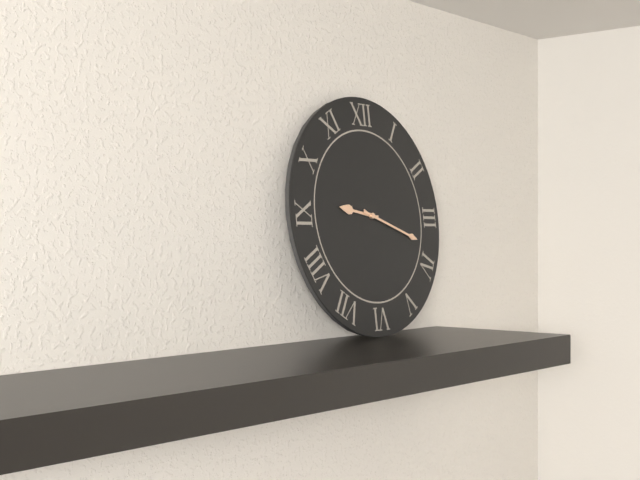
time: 9:18
